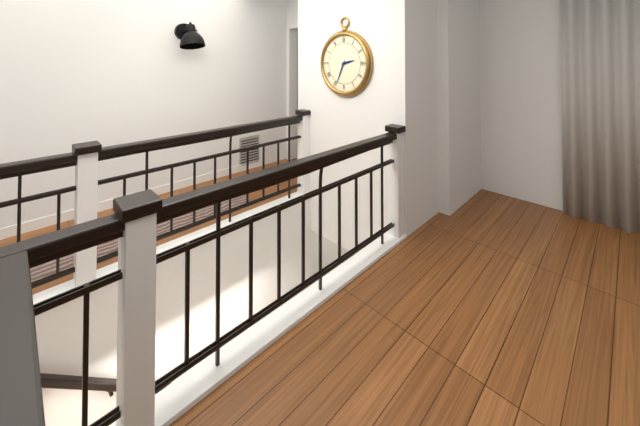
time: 2:34
